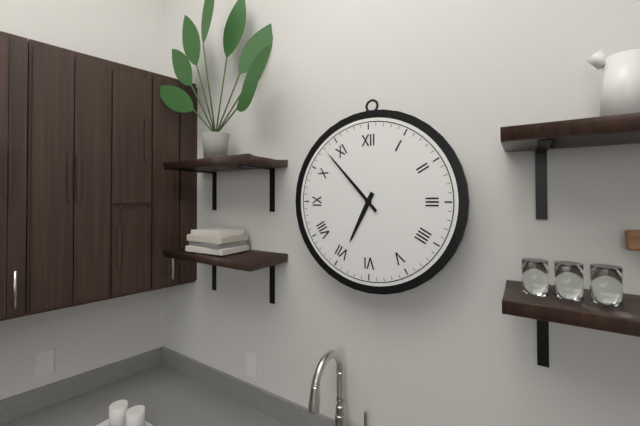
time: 6:53
